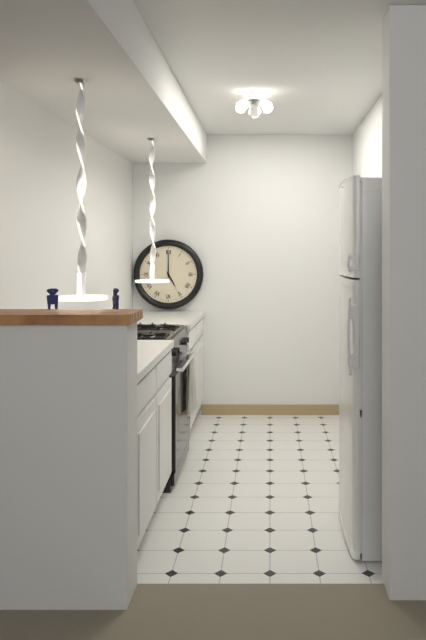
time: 5:00
